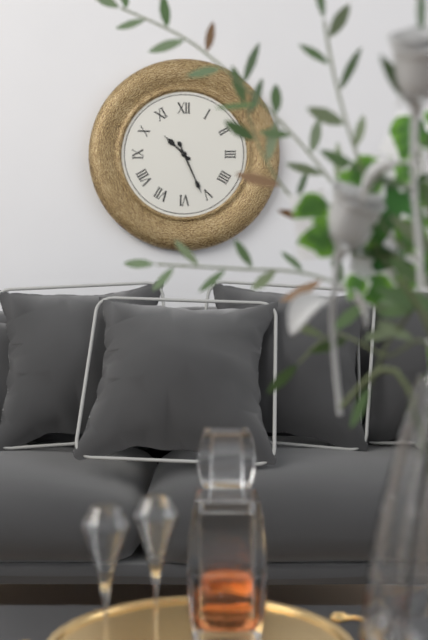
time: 10:26
